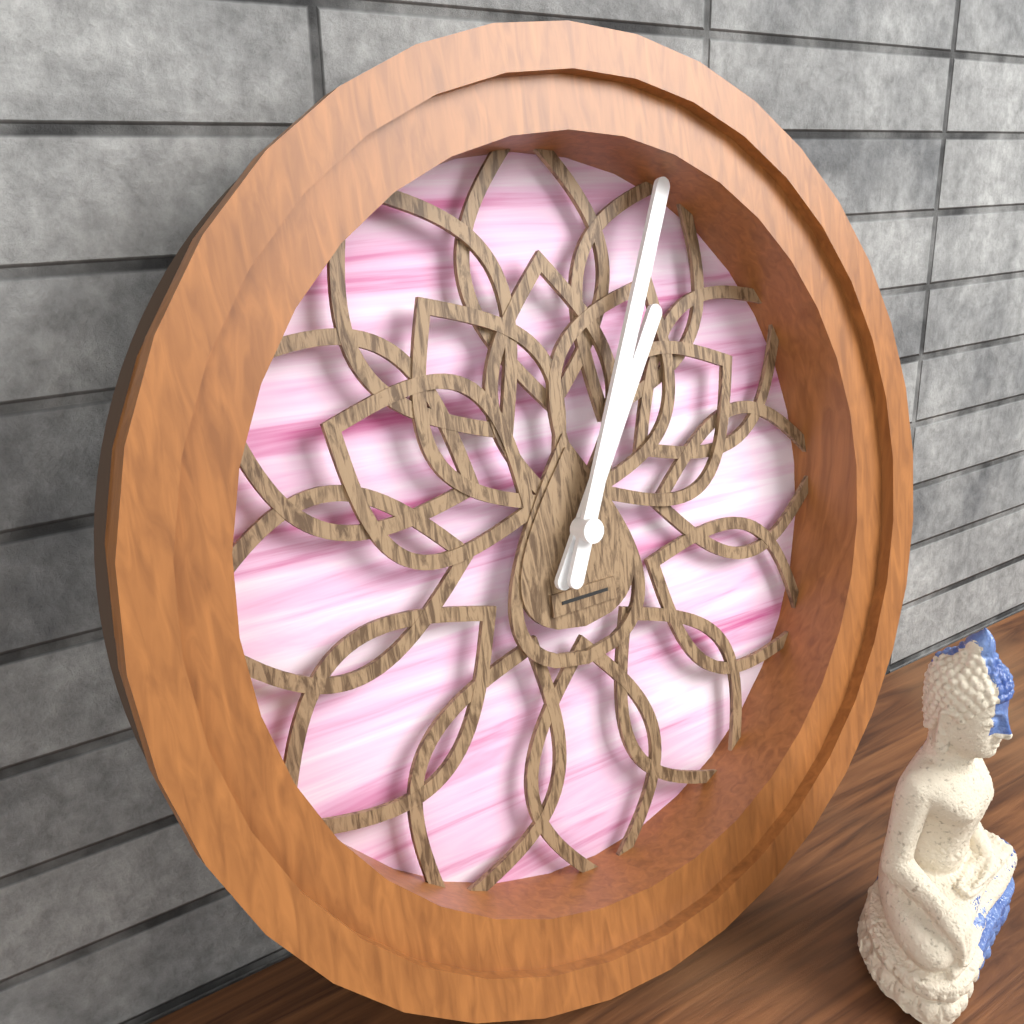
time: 1:04
